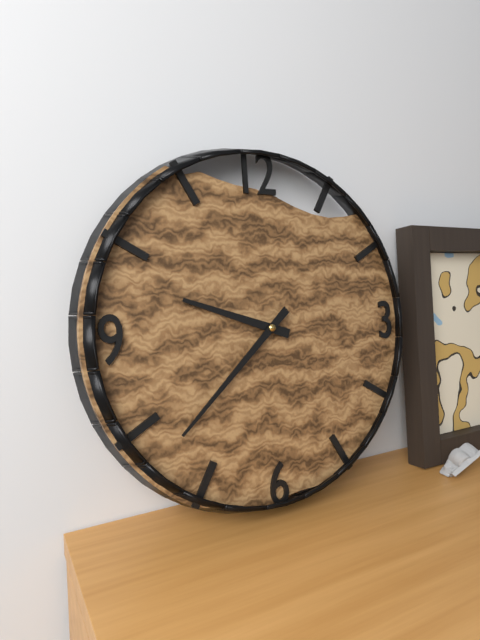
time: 9:38
